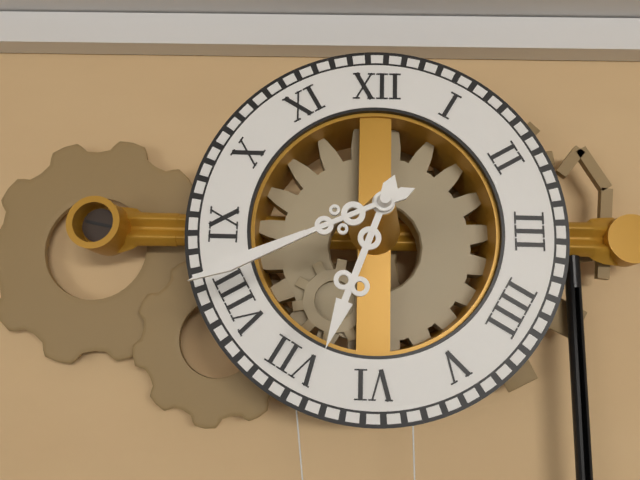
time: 6:41
